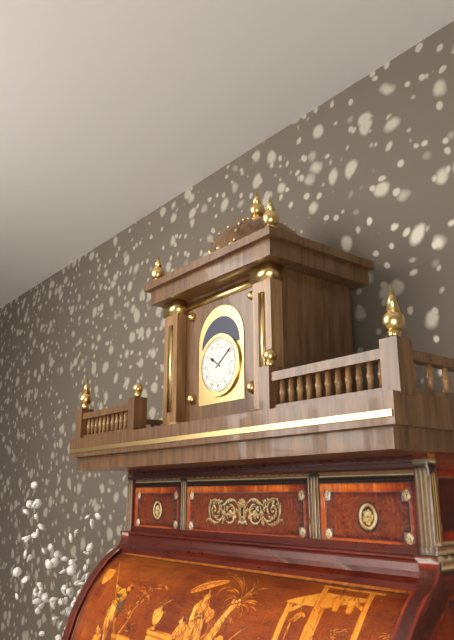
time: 10:09
